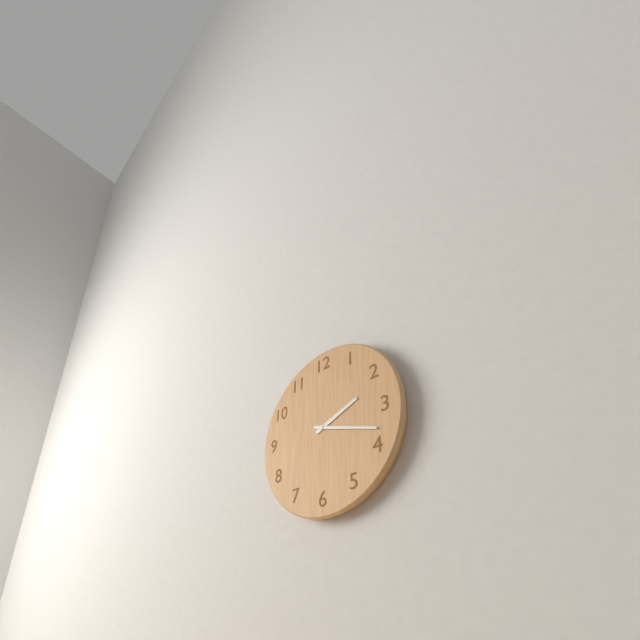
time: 2:18
